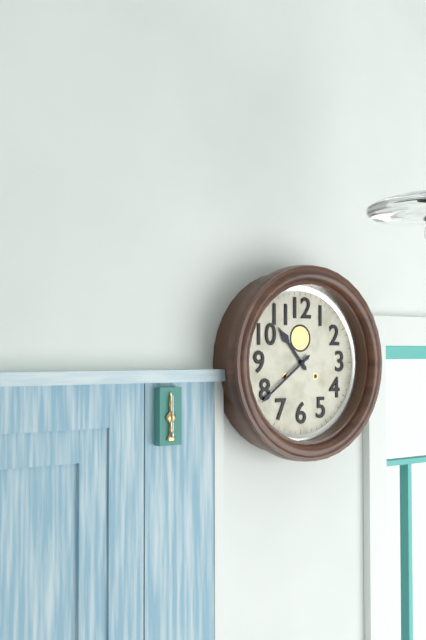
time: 10:39
